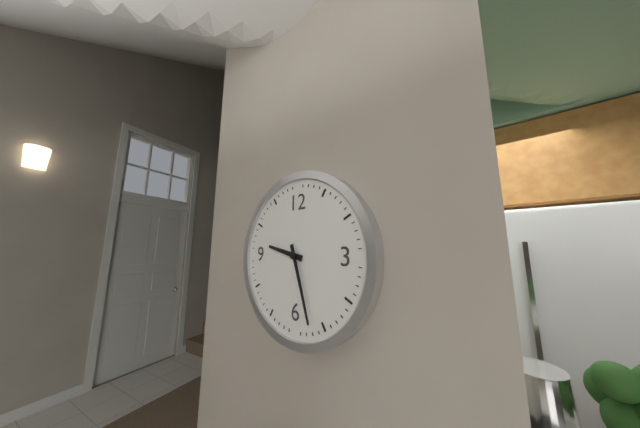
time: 9:27
